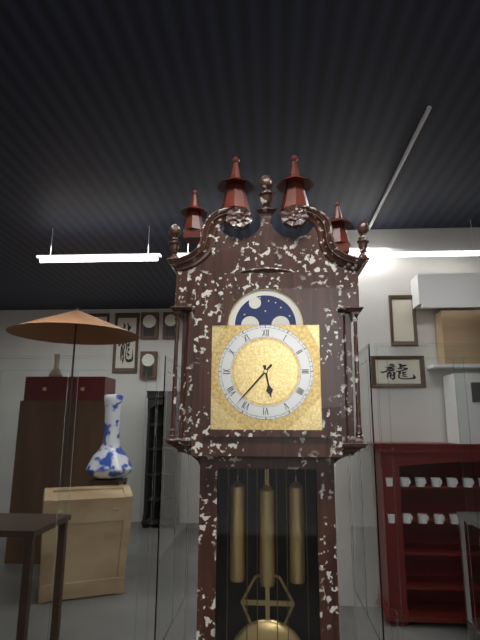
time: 5:37
